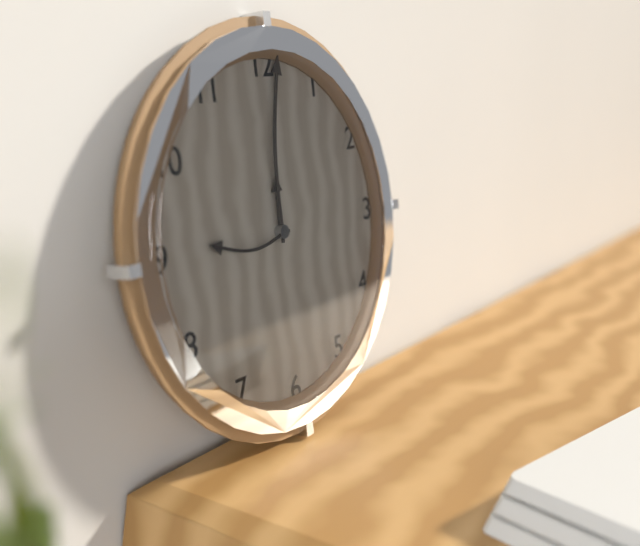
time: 12:01:45
